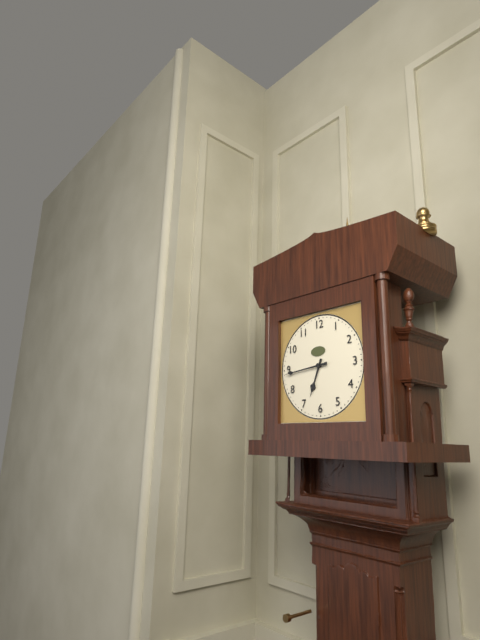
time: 6:44
